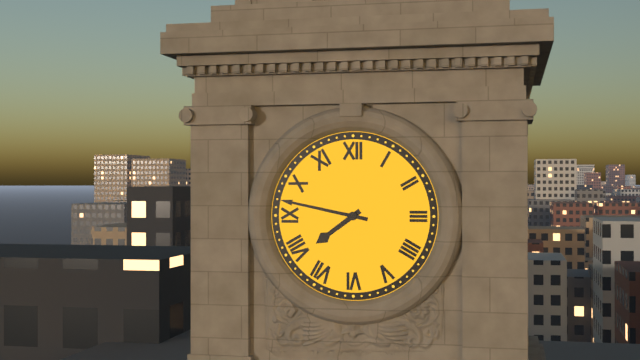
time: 7:47
